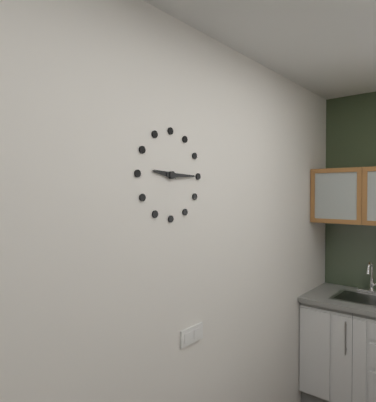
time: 9:15
